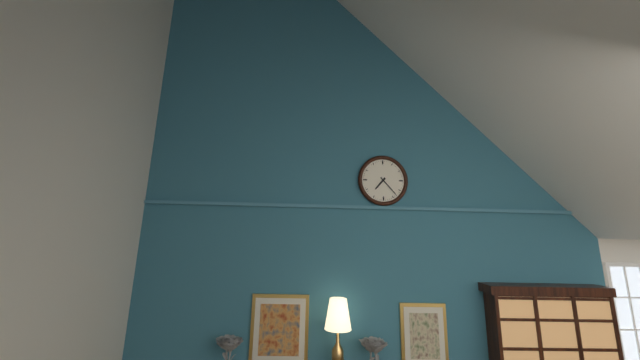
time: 7:23
